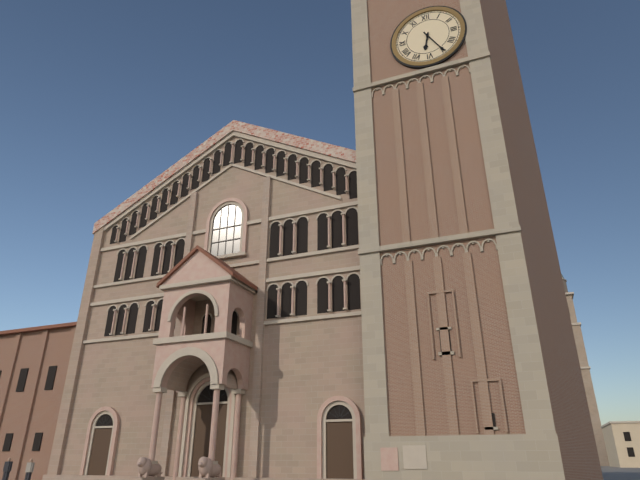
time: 6:25
